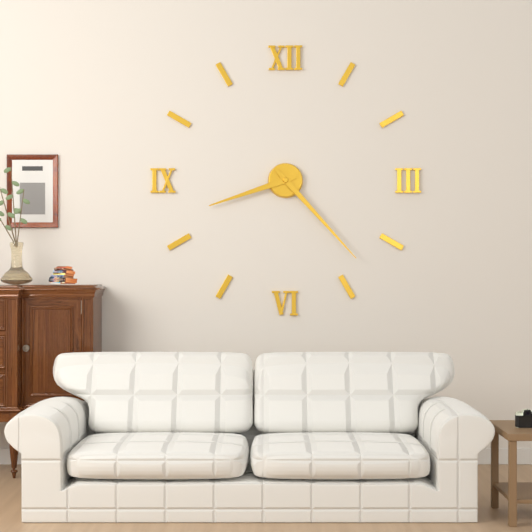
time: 8:23
